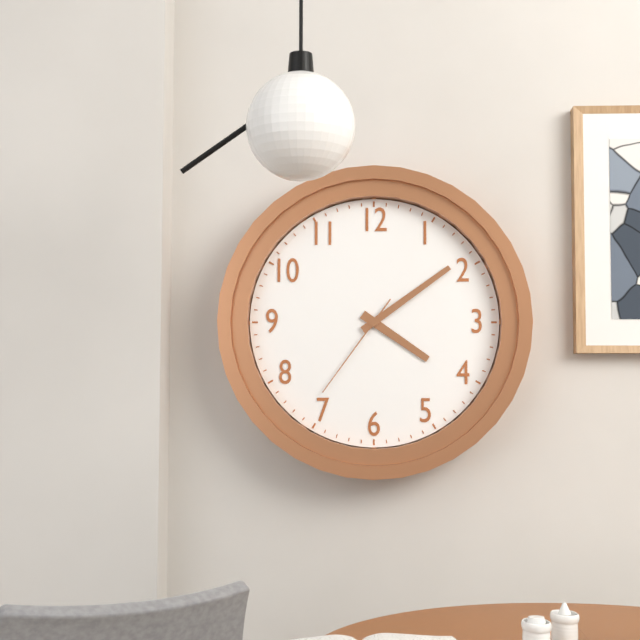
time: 4:09:36
